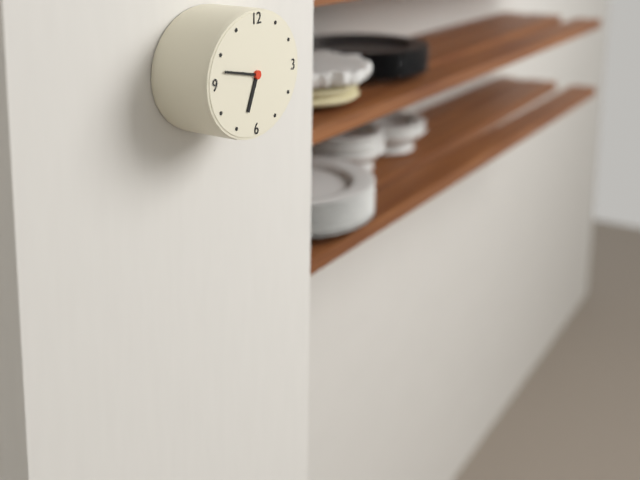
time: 6:47
